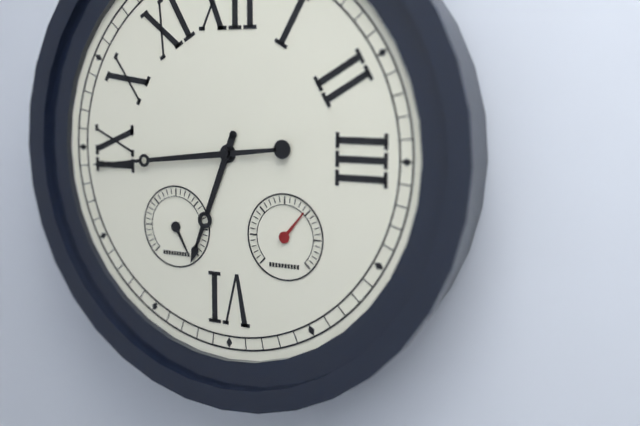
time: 6:44
